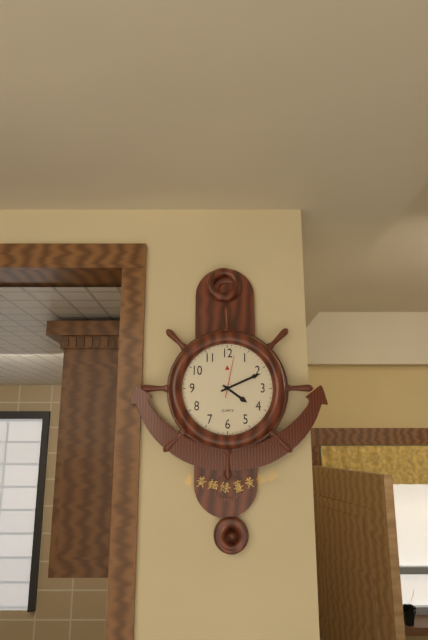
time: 4:11
